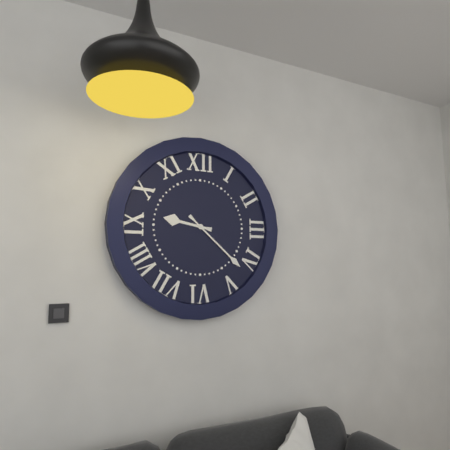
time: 9:22
